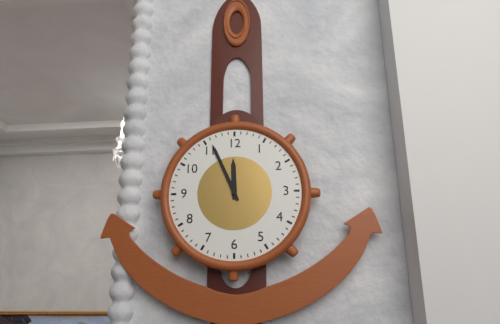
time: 11:56
